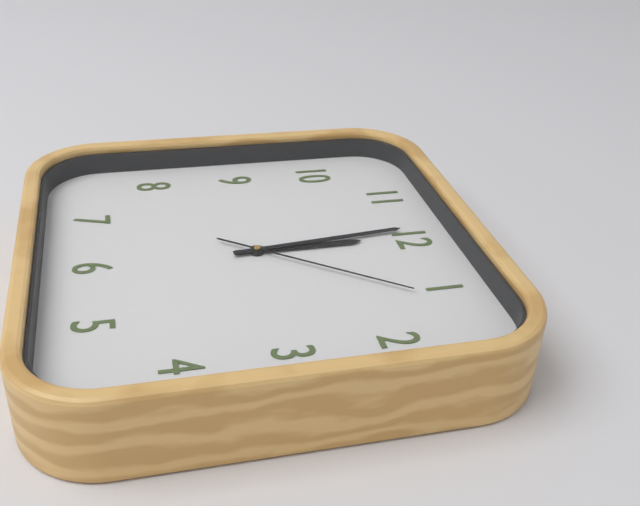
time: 11:59:06
